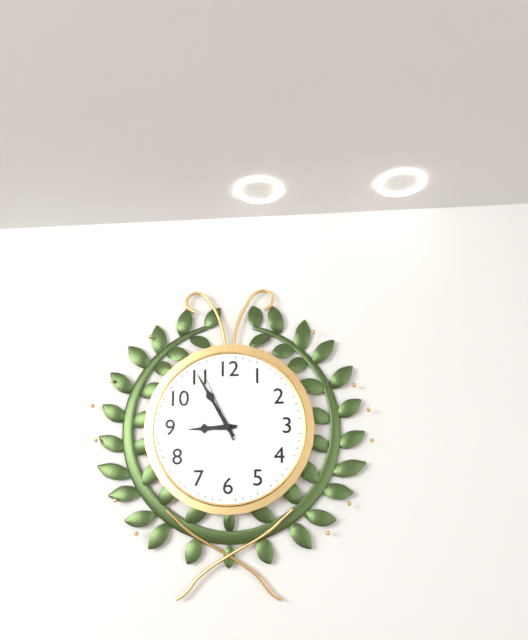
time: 8:55:56
